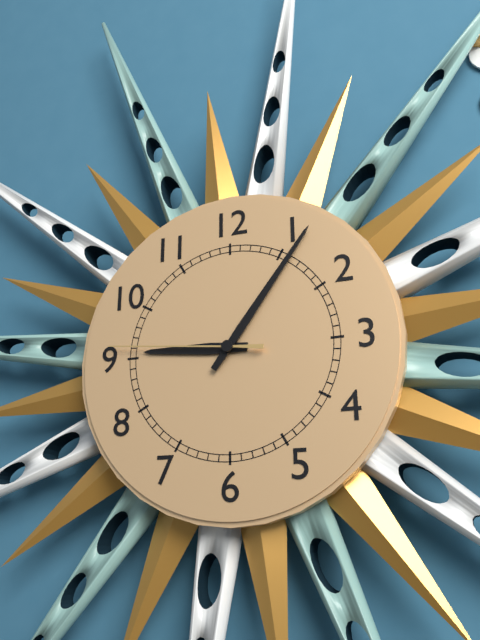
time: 9:06:46
